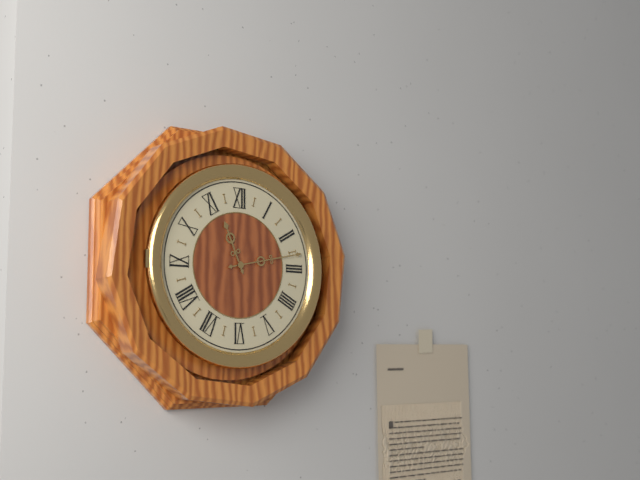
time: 11:13
